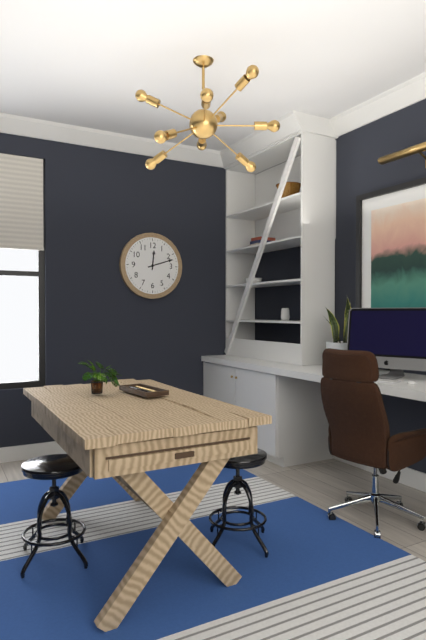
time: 12:12
